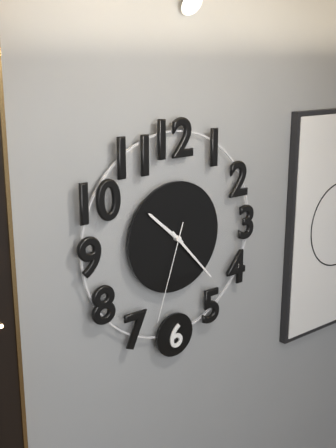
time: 10:23:33
